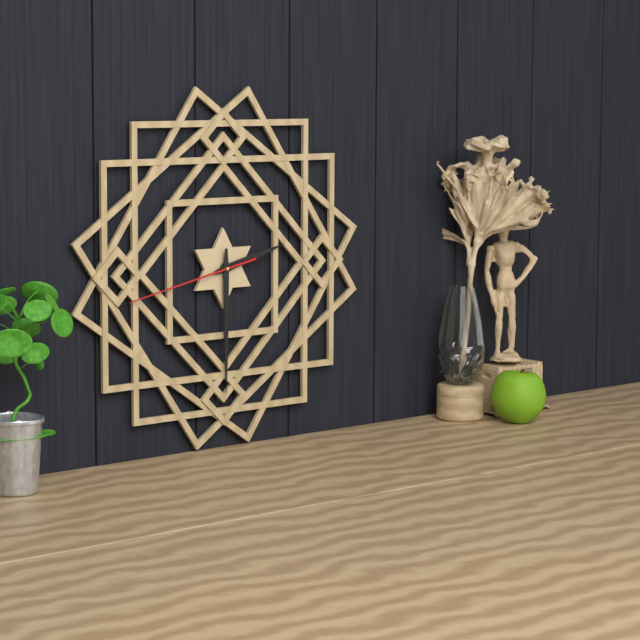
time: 2:30:43
